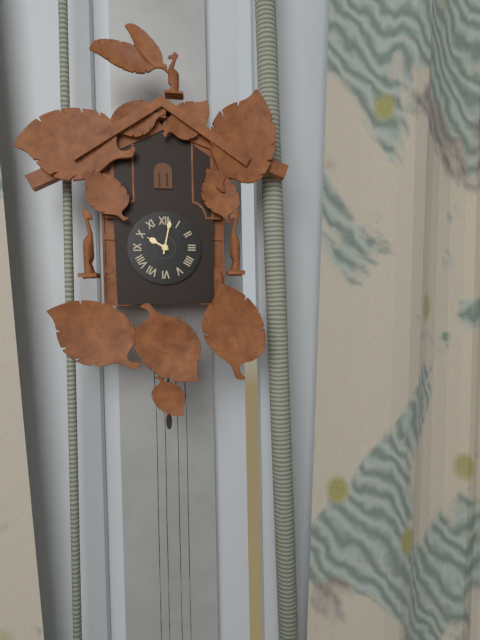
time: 10:02
